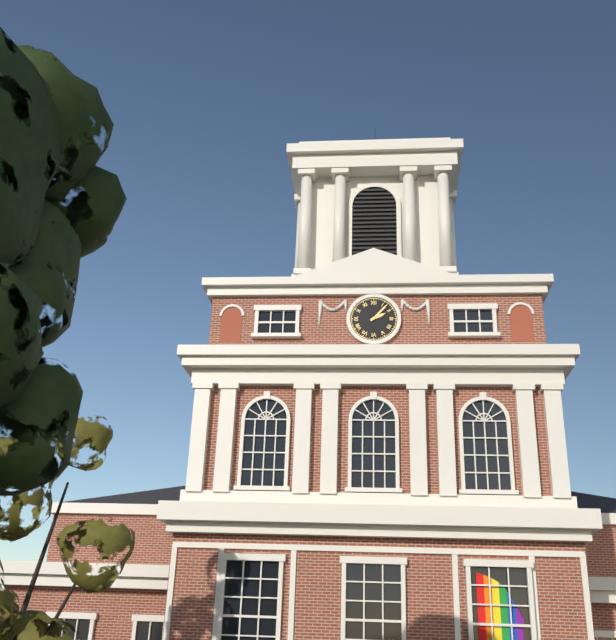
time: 2:07
